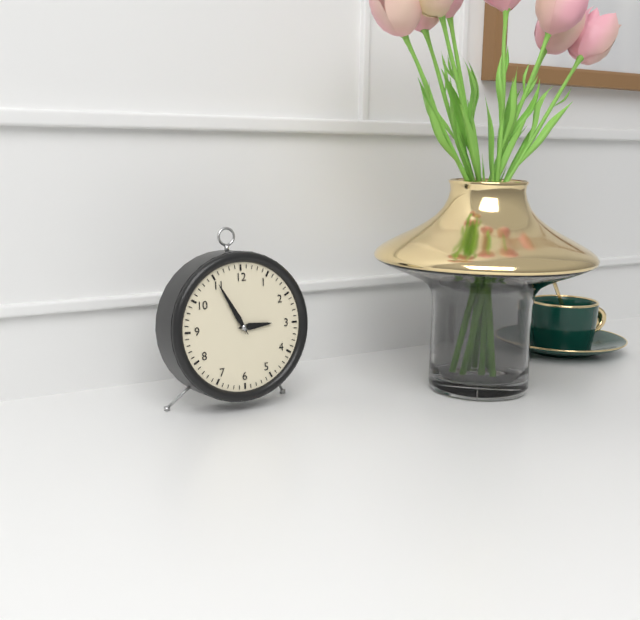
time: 2:55
